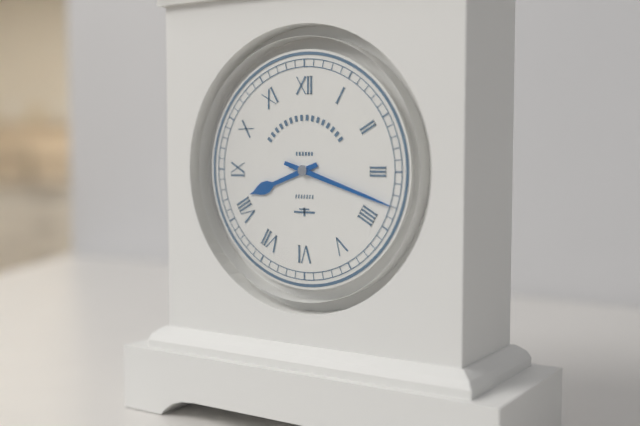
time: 8:18
